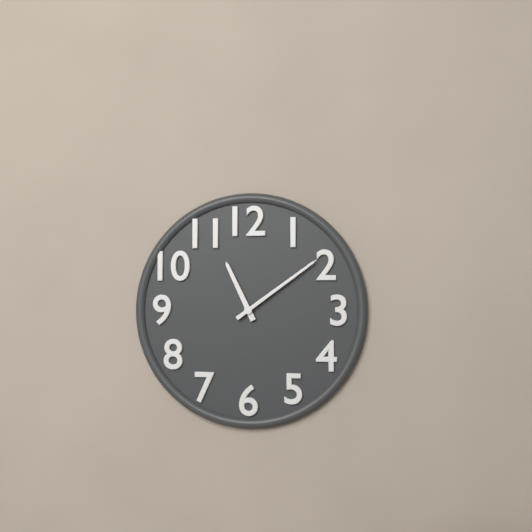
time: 11:09
